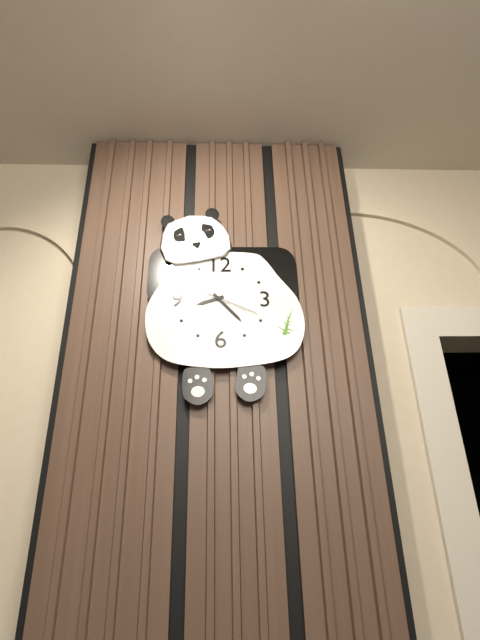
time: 8:23:19
